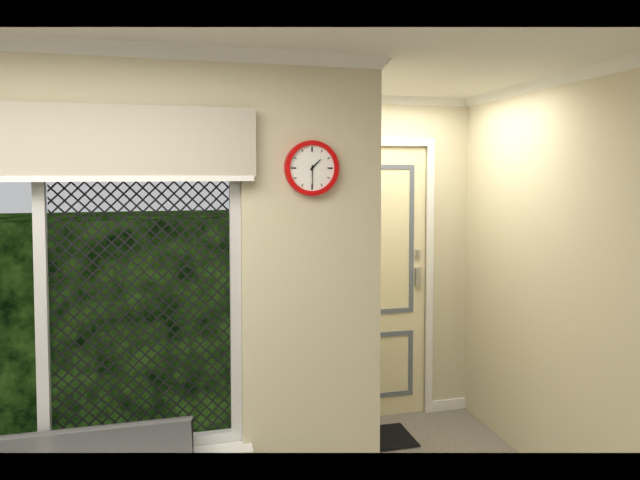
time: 1:30
